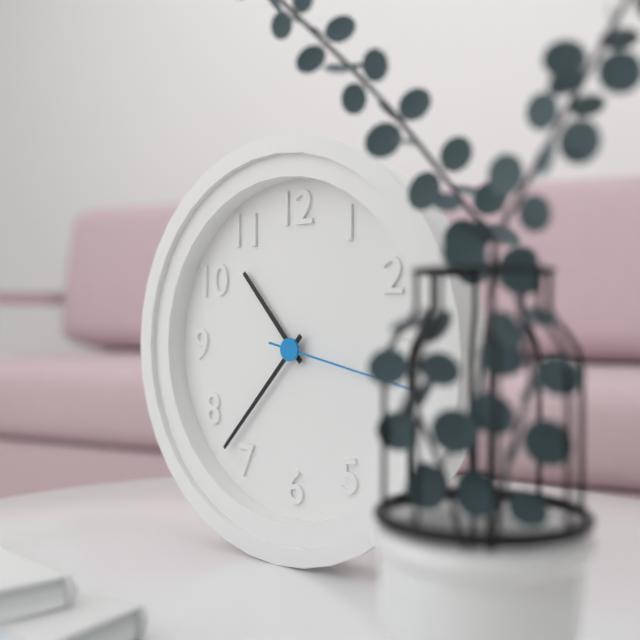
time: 10:37
